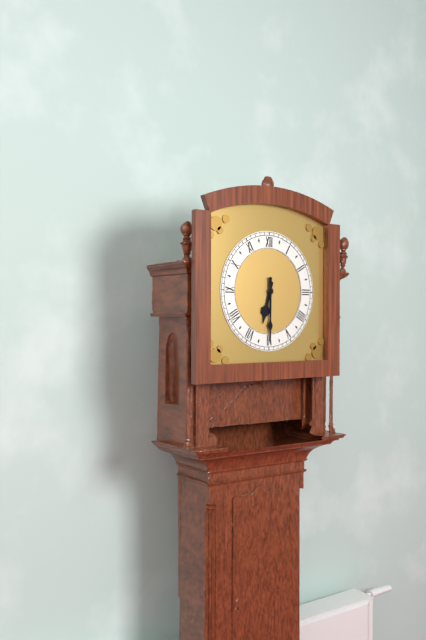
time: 6:30
